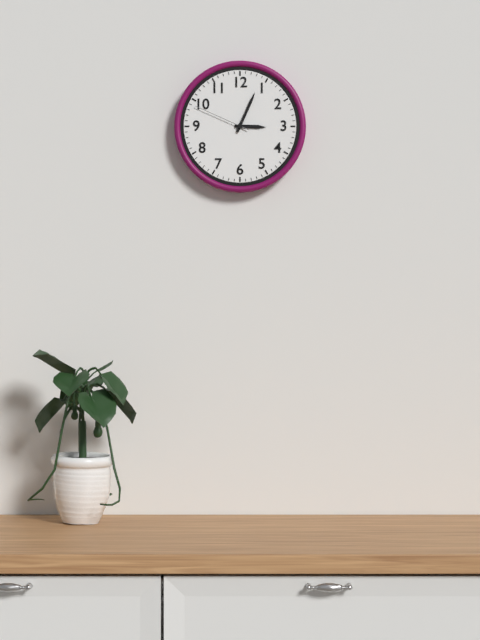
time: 3:04:49
